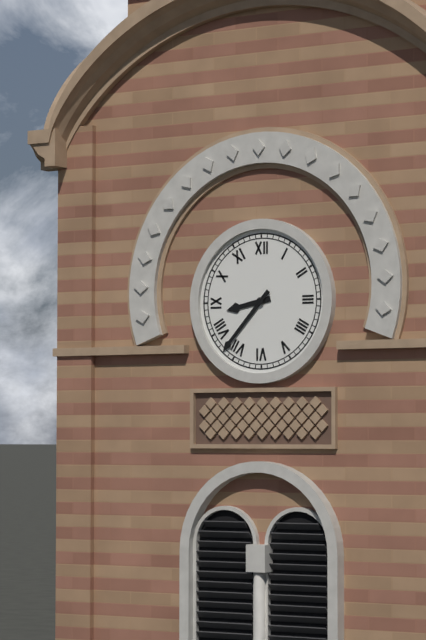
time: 8:37
